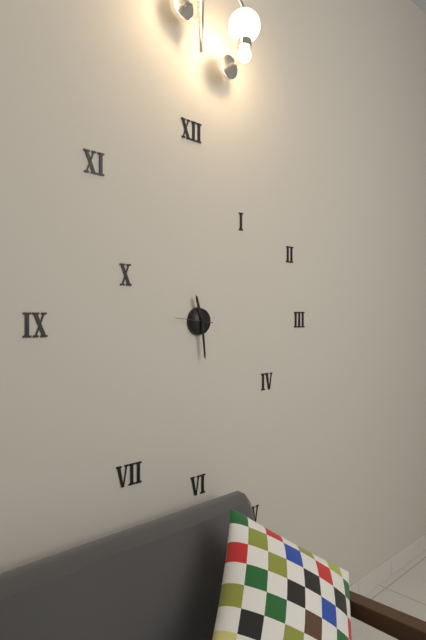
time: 11:29
